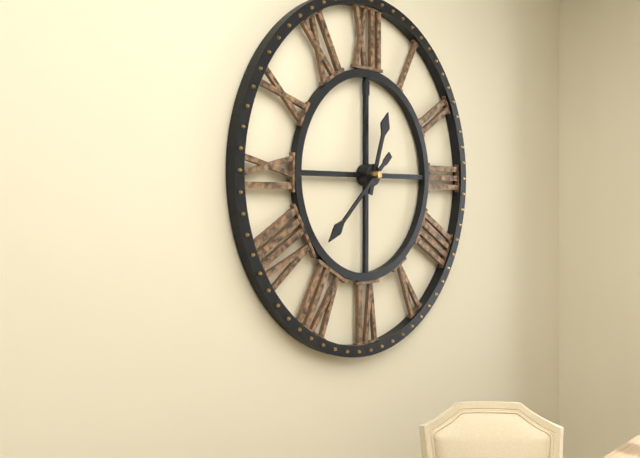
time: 12:38
